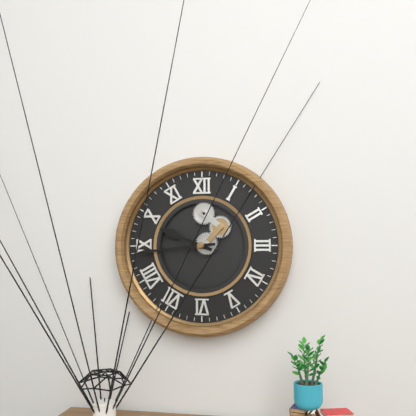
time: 9:44
